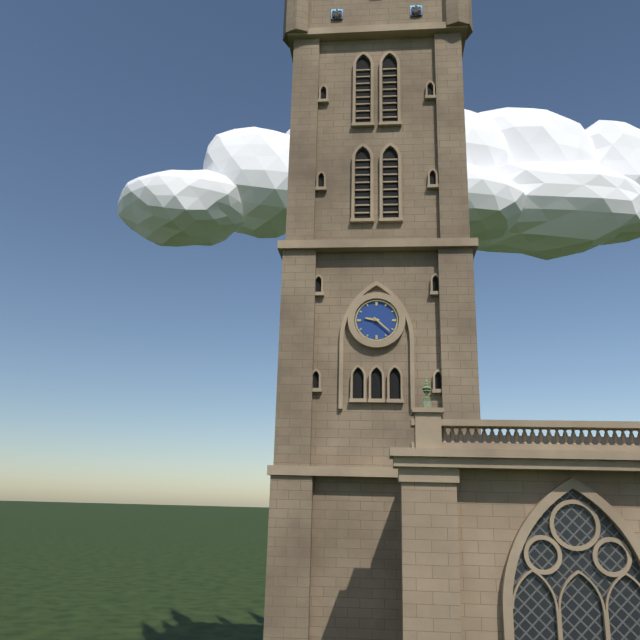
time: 9:22
